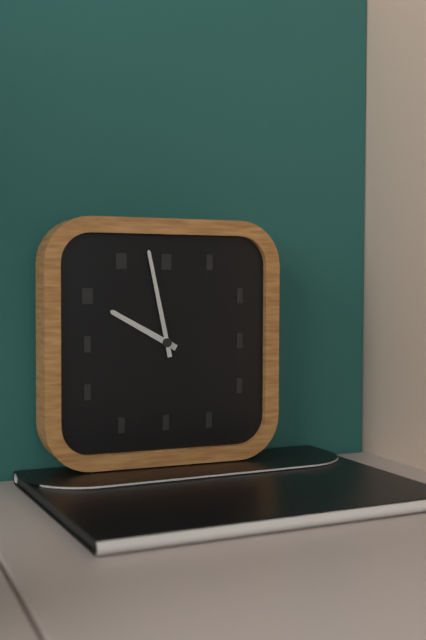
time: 9:58
